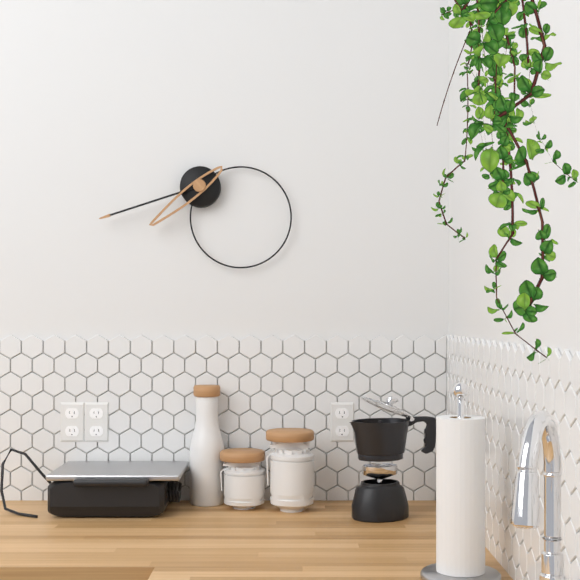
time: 7:42
